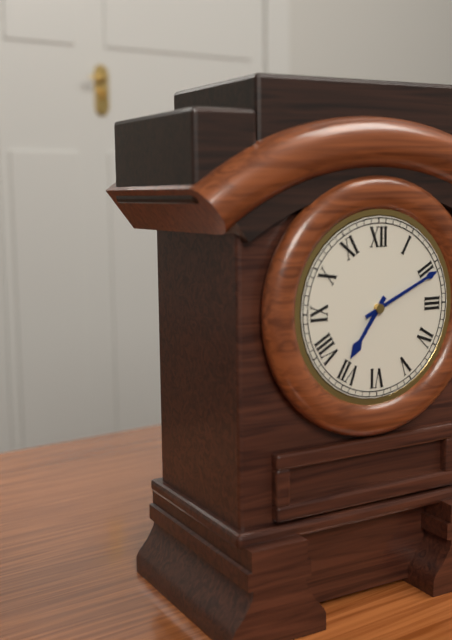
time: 7:11
